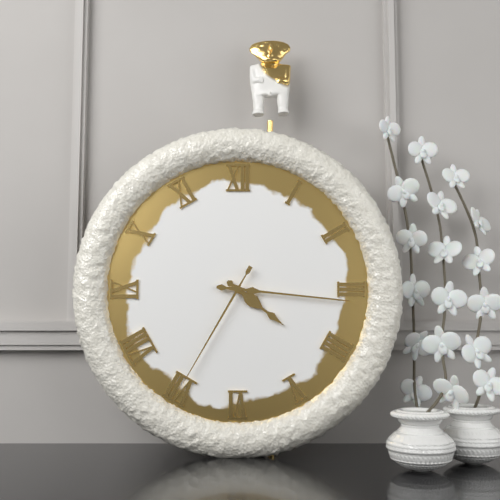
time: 4:16:35
